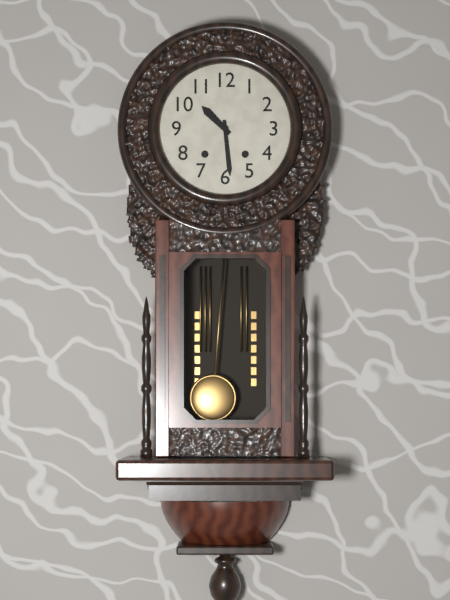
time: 10:29
